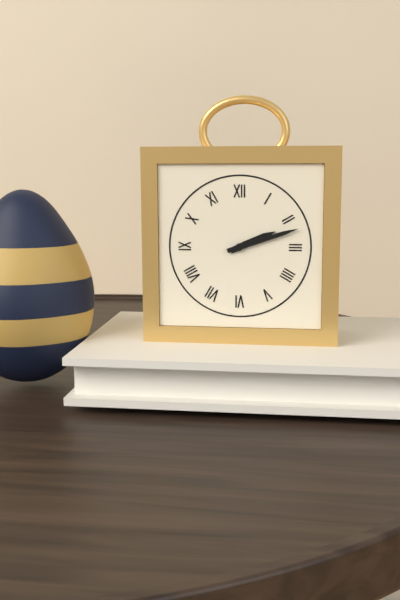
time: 2:12
